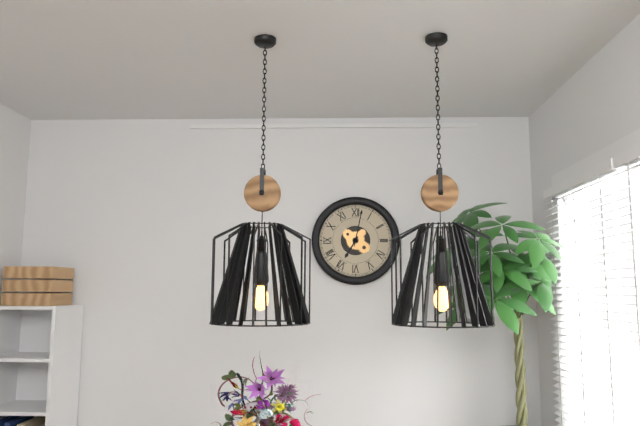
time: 7:02
